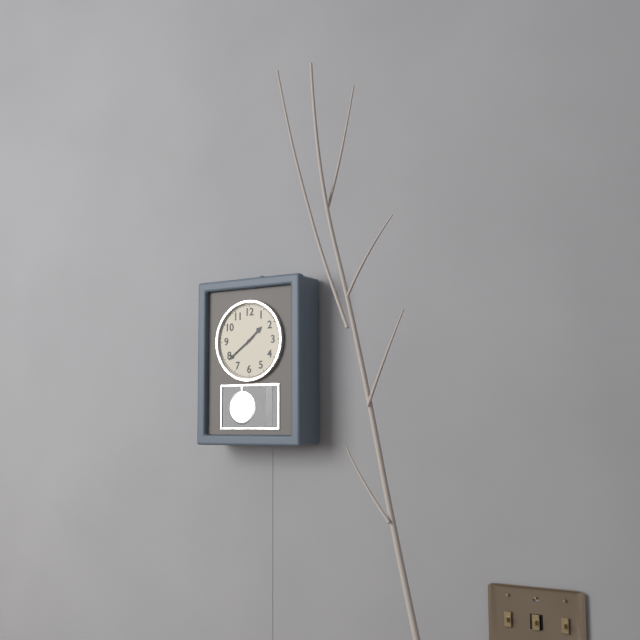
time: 1:39
